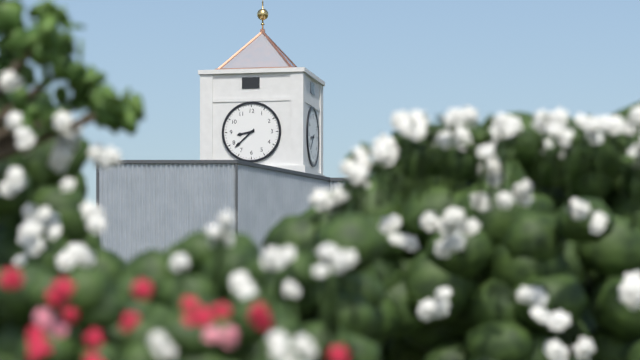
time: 8:38
